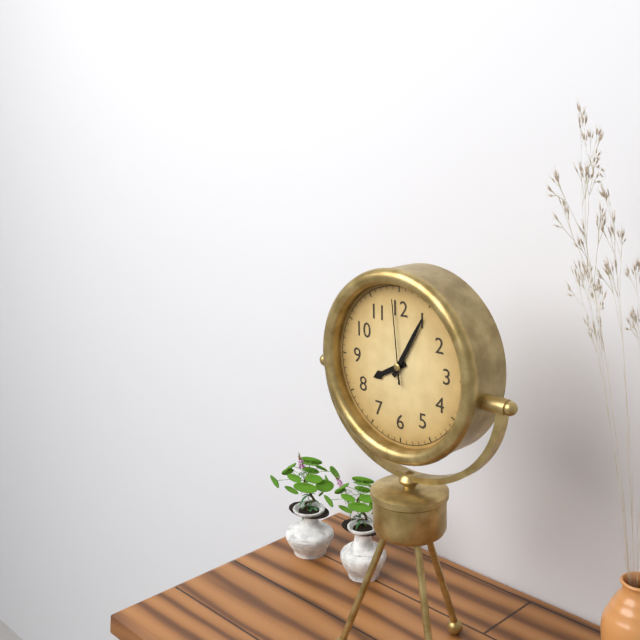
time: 8:05:59
